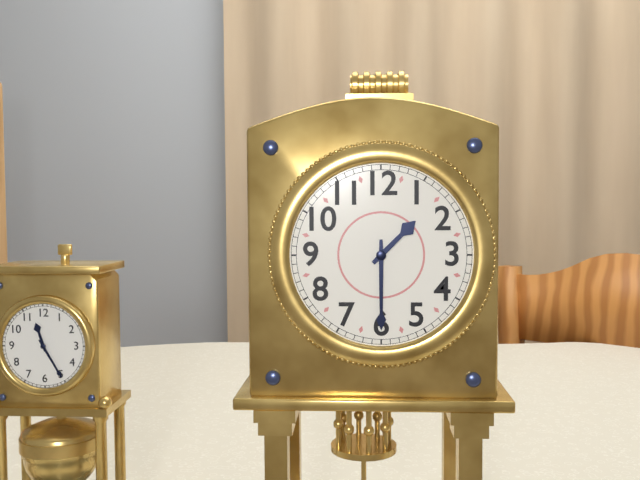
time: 1:30
